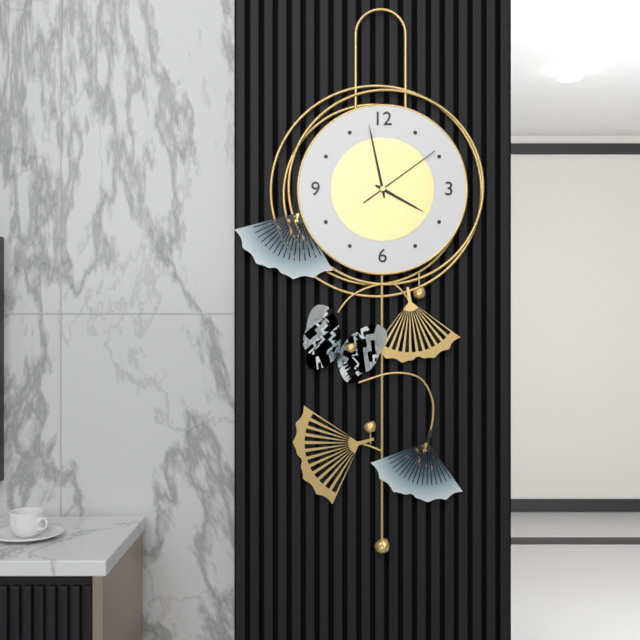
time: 3:58:09
